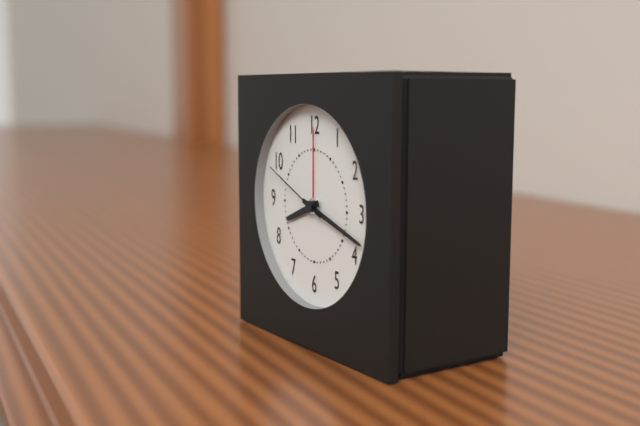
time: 8:18:49
